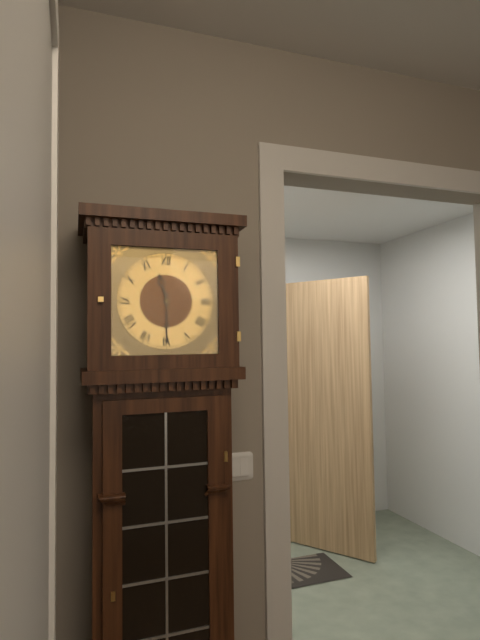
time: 11:30
